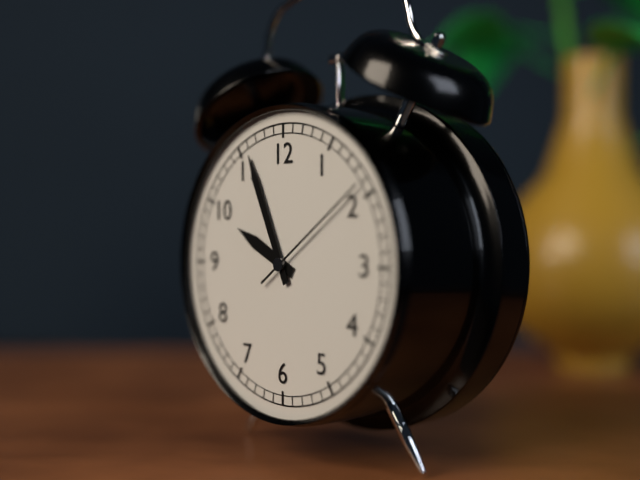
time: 9:56:09
